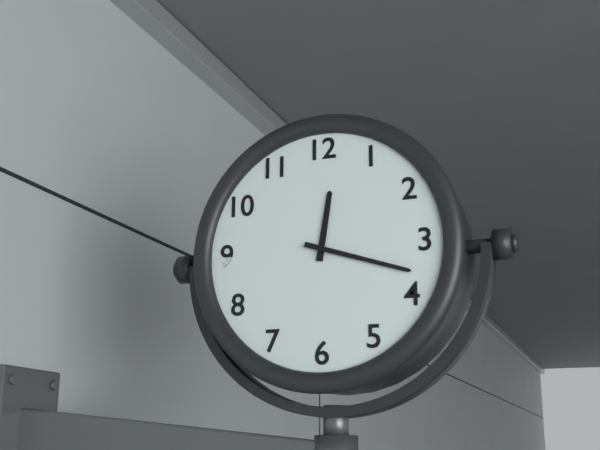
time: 12:18
